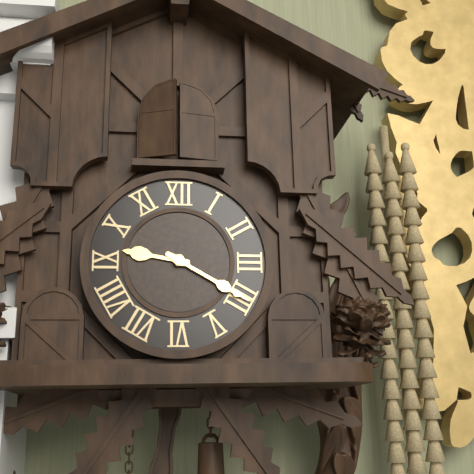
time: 9:20
